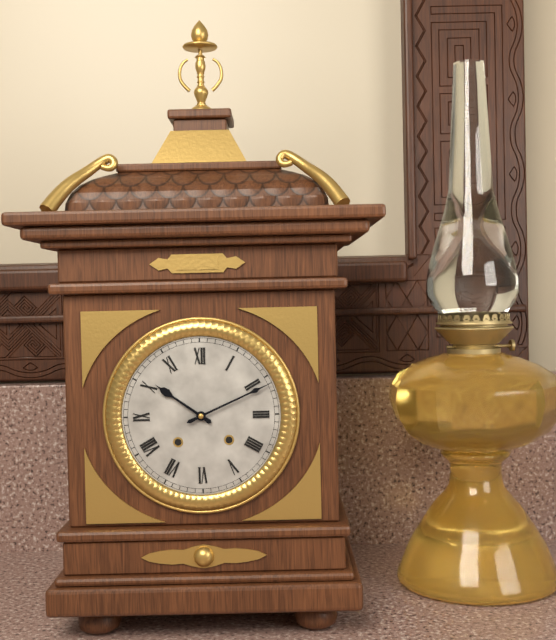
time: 10:11
